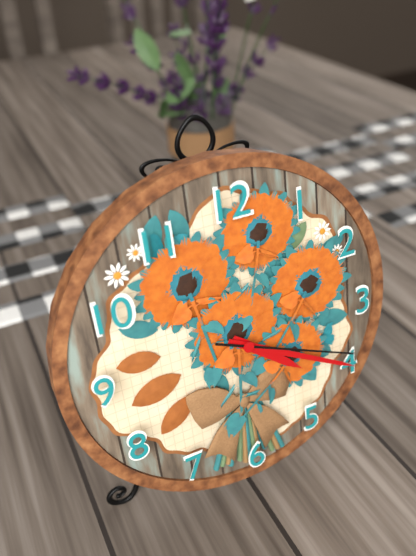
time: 4:20:19
